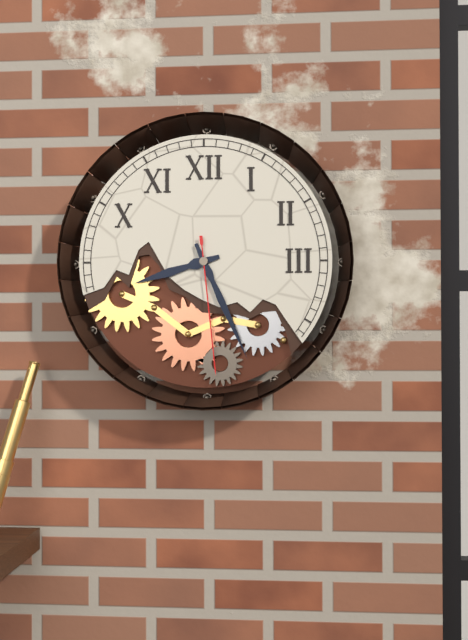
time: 8:26:29
